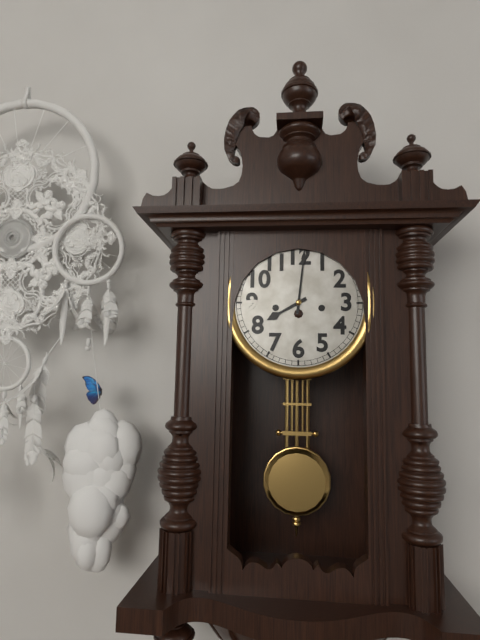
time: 8:01
